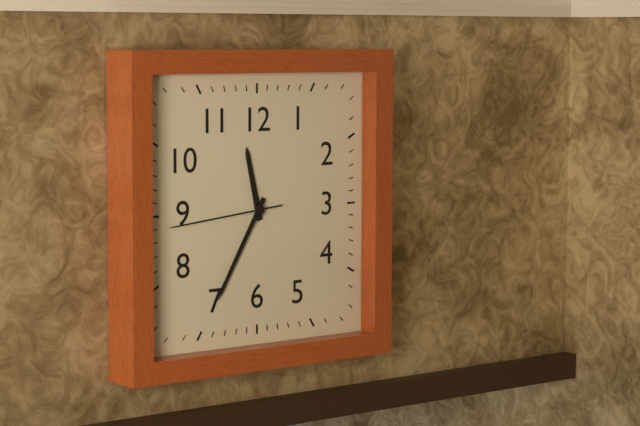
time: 11:35:44
